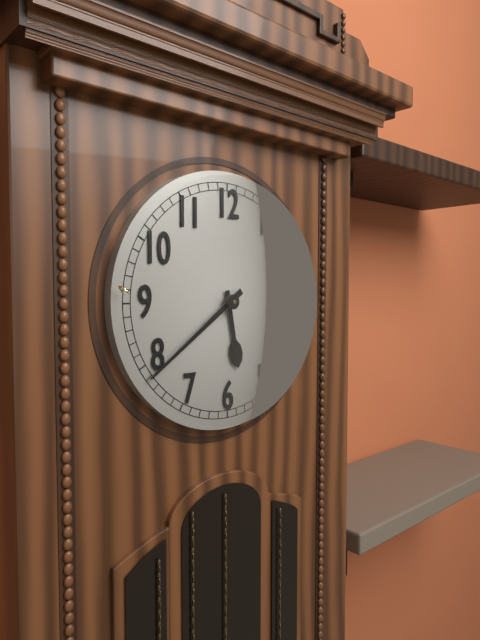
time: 5:39
